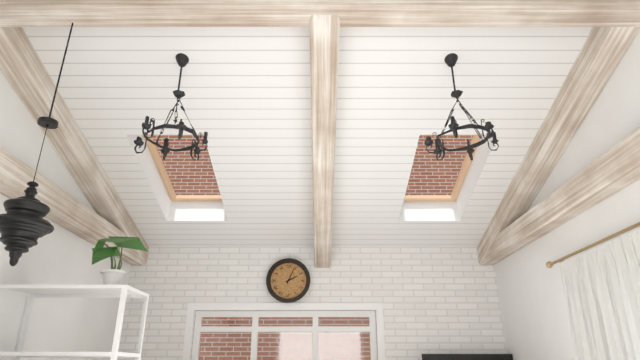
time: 2:04
